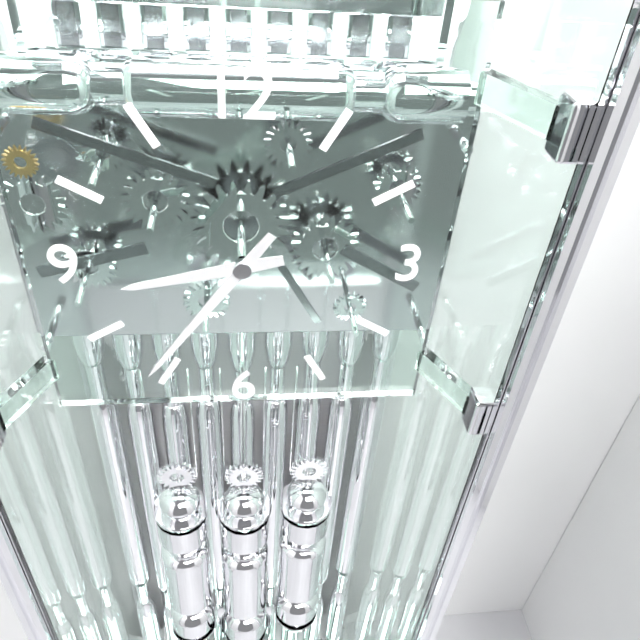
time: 8:36
